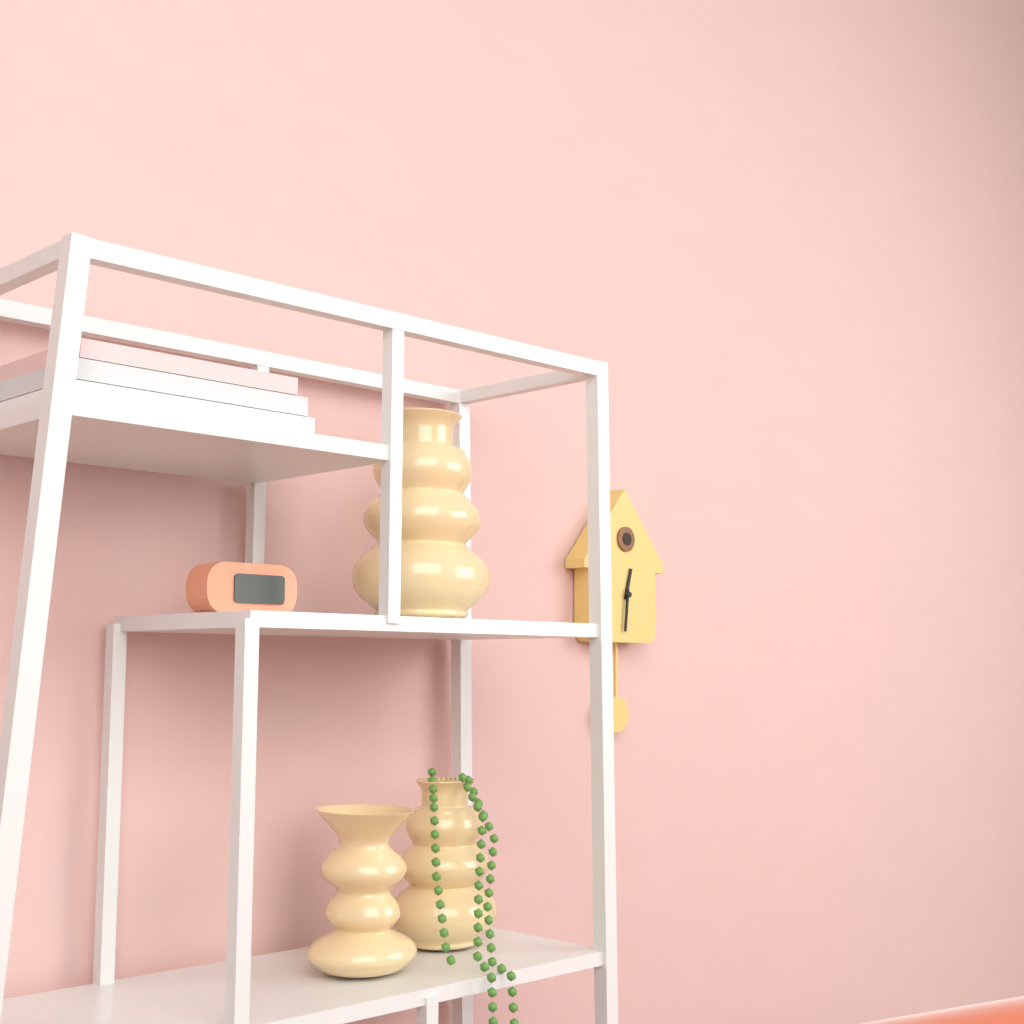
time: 12:31
